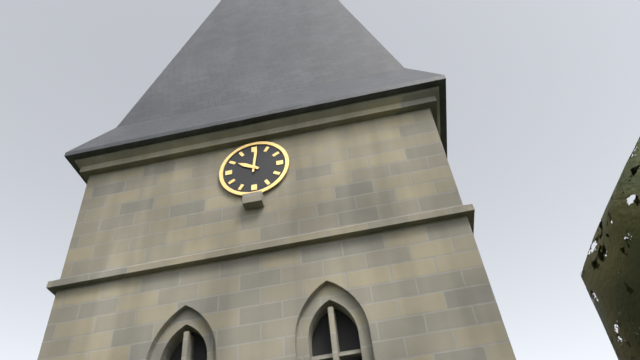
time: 10:01
